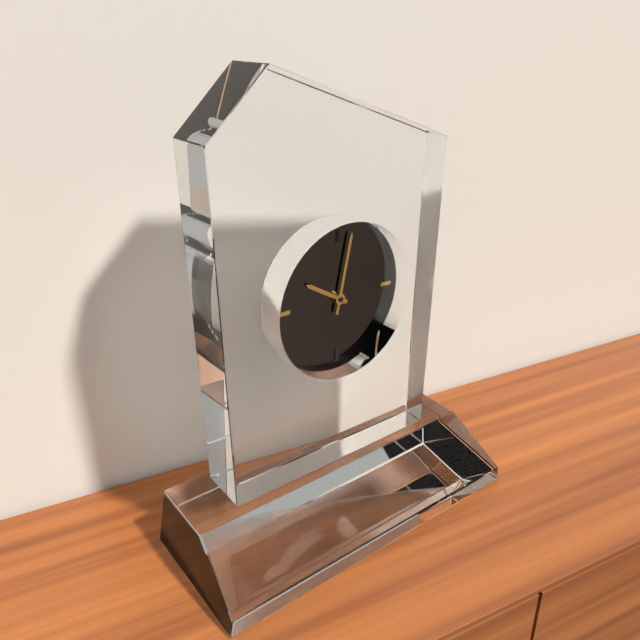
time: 10:02
